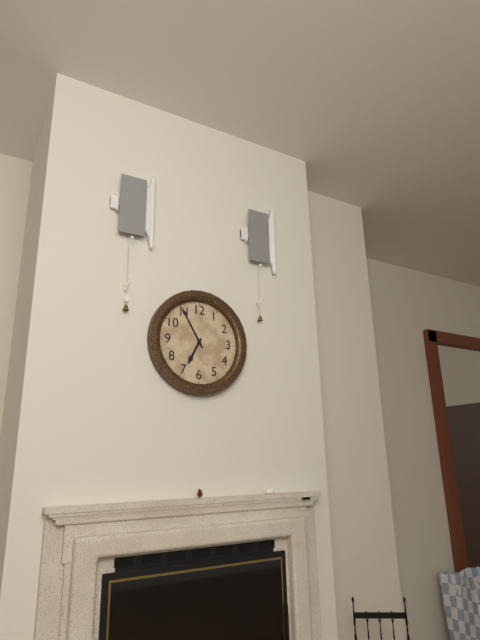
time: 6:55
